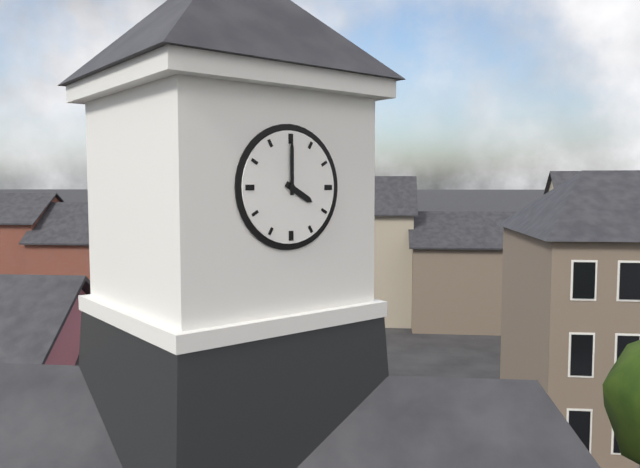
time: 4:00
